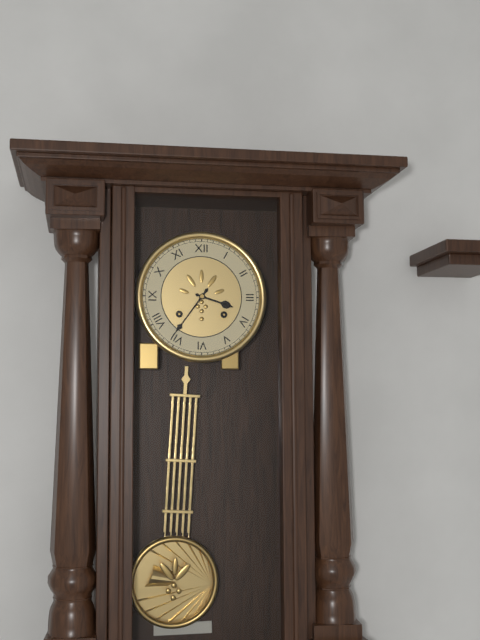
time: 3:36
